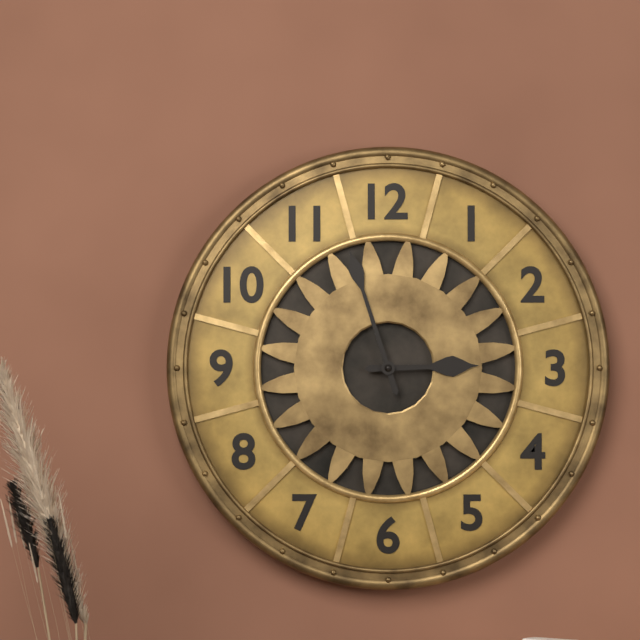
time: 2:57
